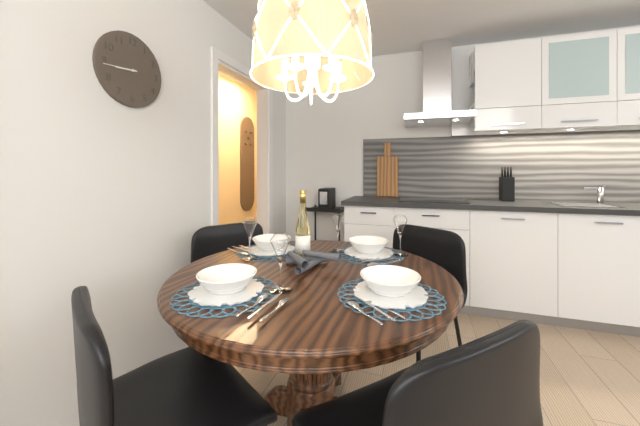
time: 8:44
